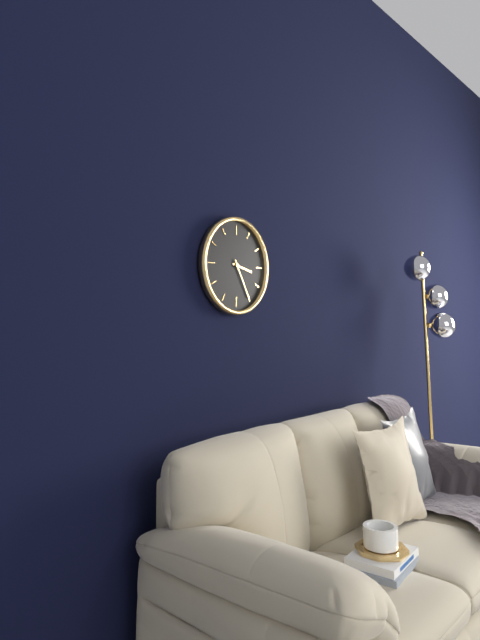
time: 3:25
